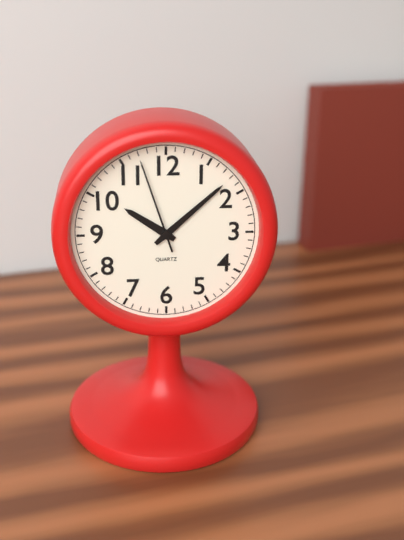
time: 10:08:57
